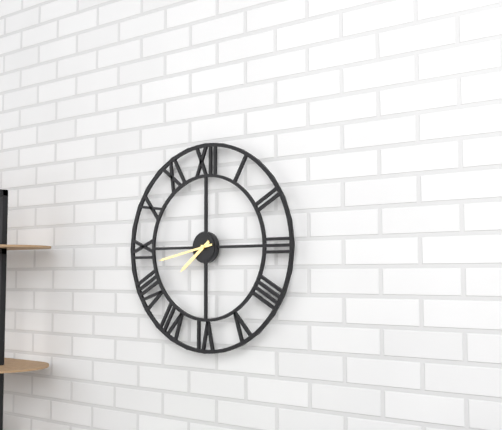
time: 7:43
